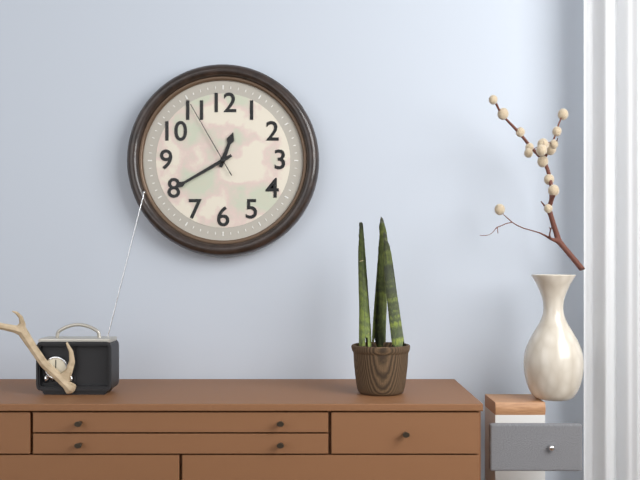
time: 12:40:55
